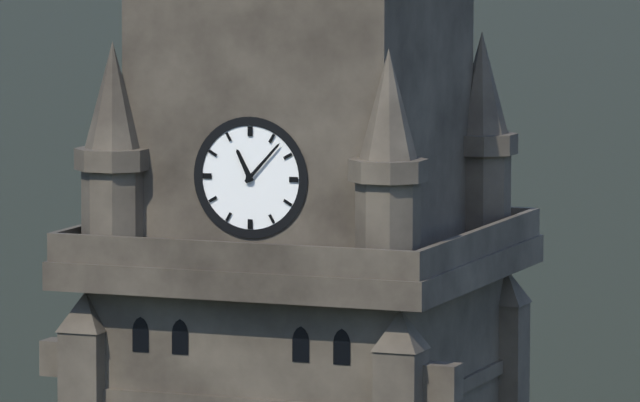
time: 11:07
